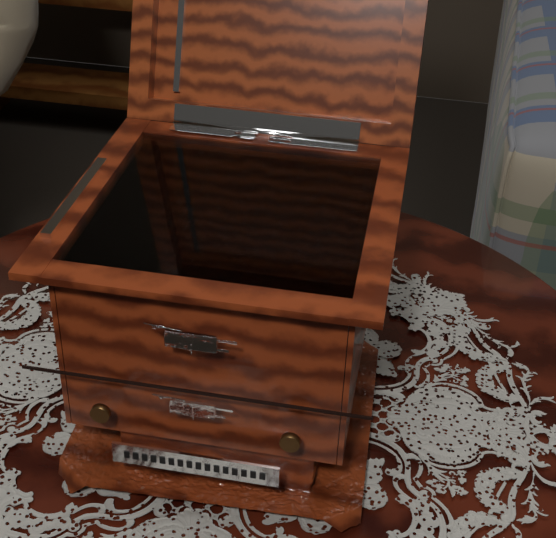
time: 7:54
